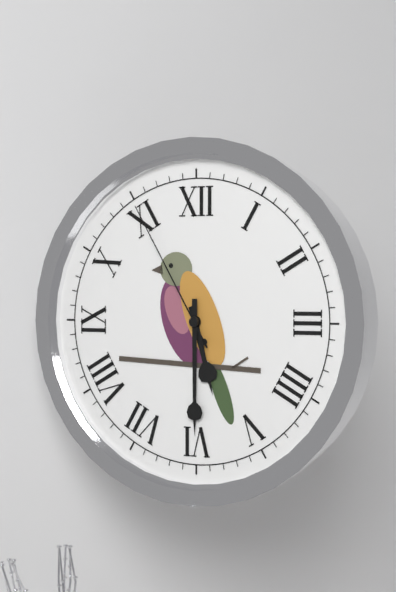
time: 5:30:55
